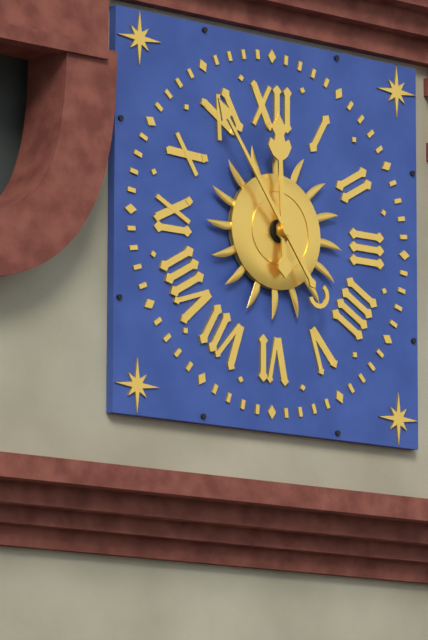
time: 11:54
